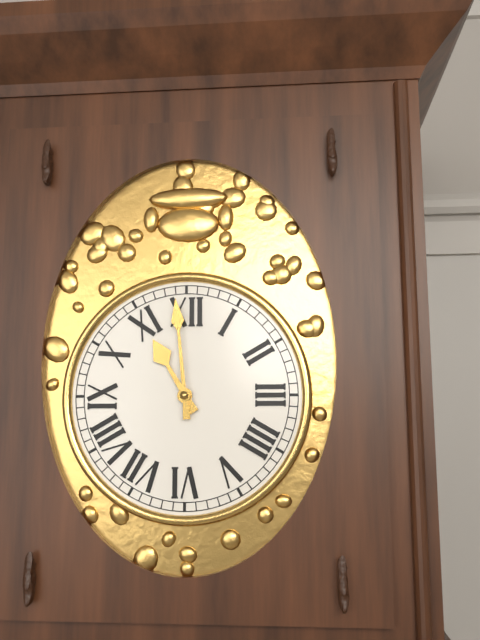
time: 10:59
